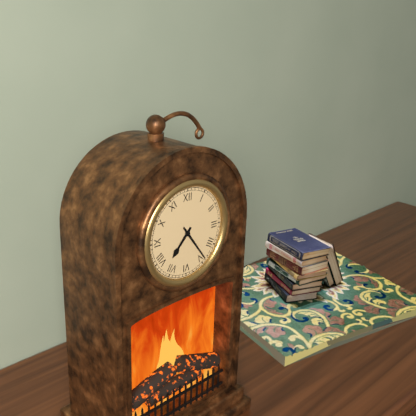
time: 7:24
